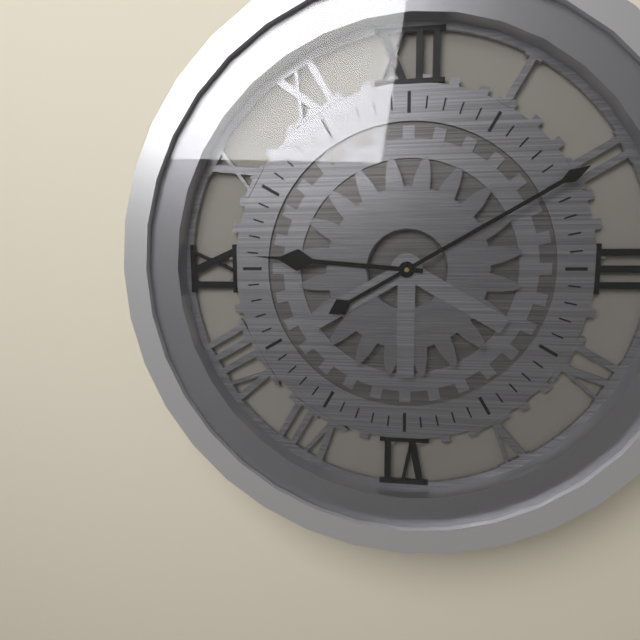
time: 9:10
